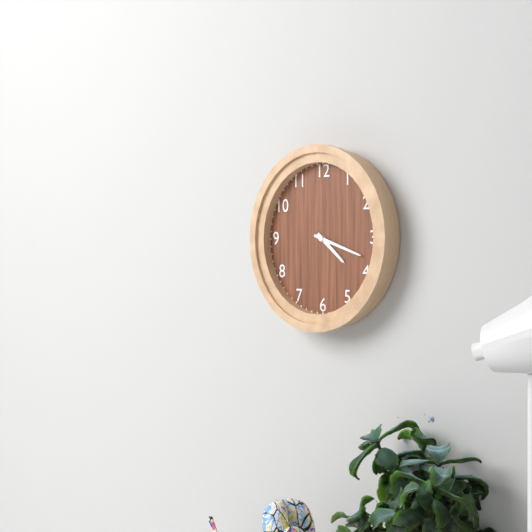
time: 4:18
